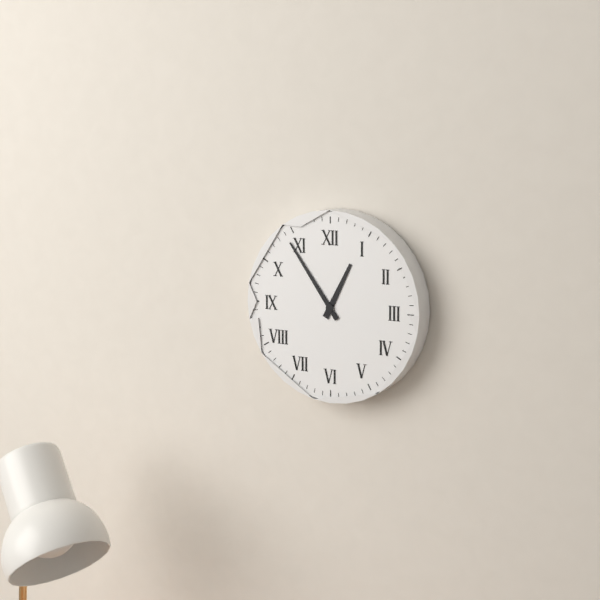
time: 12:54
